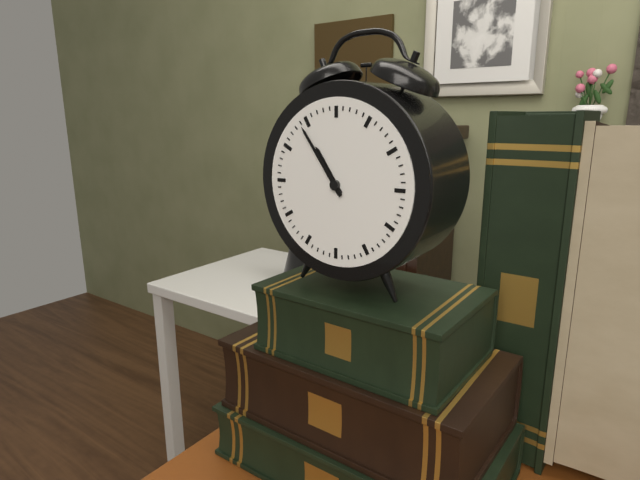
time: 10:54
